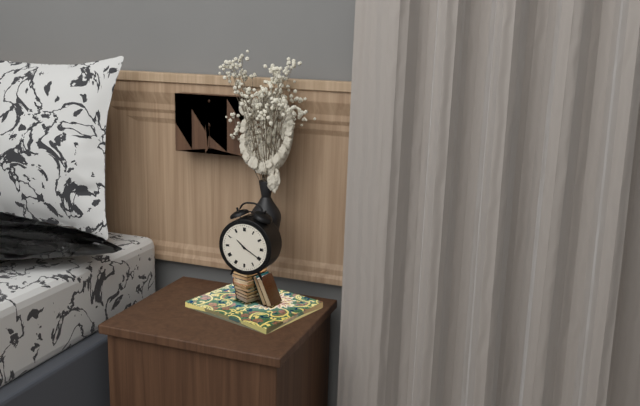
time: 10:20
